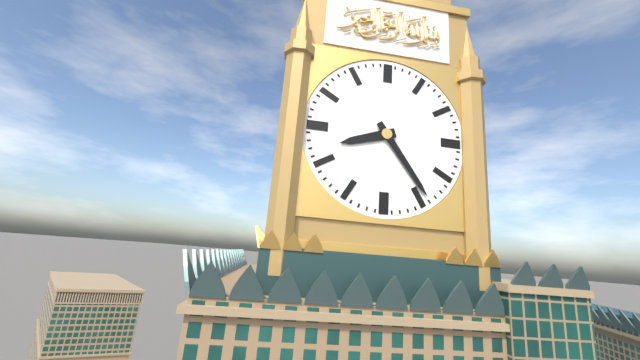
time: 8:24
